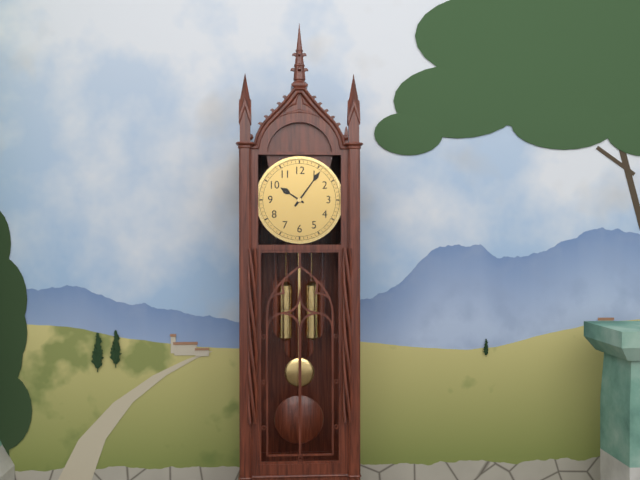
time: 10:06
